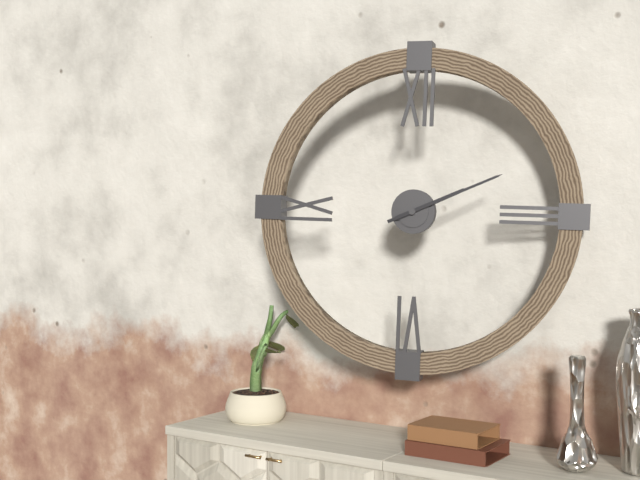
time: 2:11
